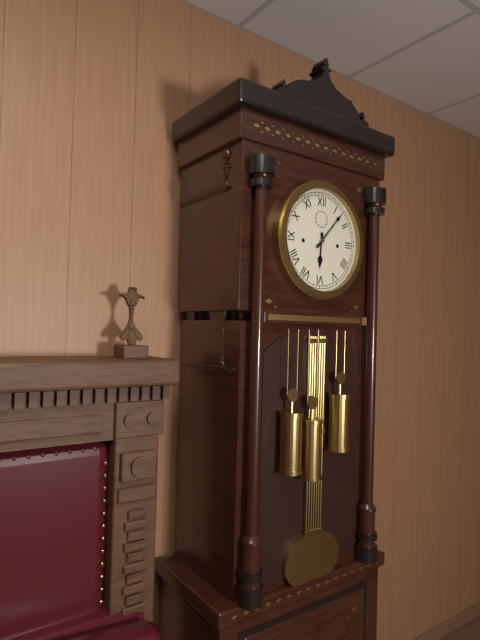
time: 6:07
